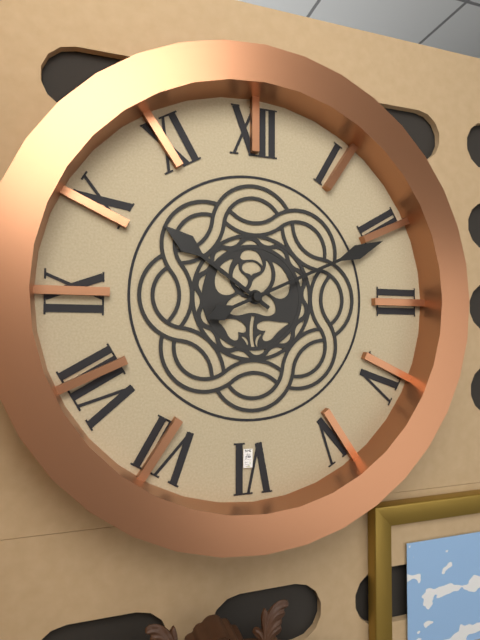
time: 10:11
